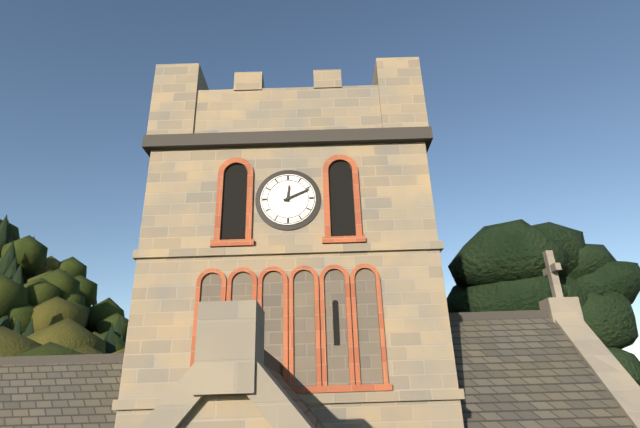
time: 12:11
